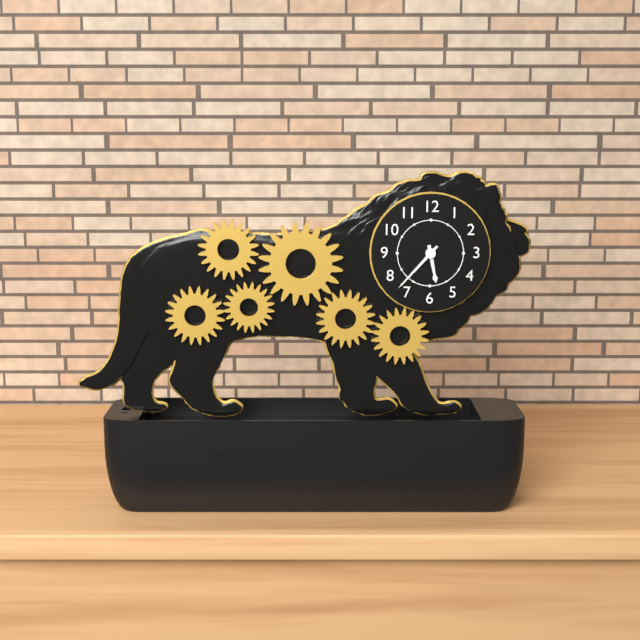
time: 5:37
